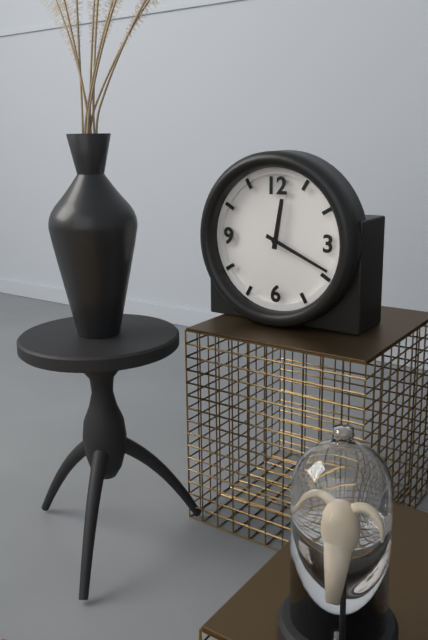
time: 12:19
